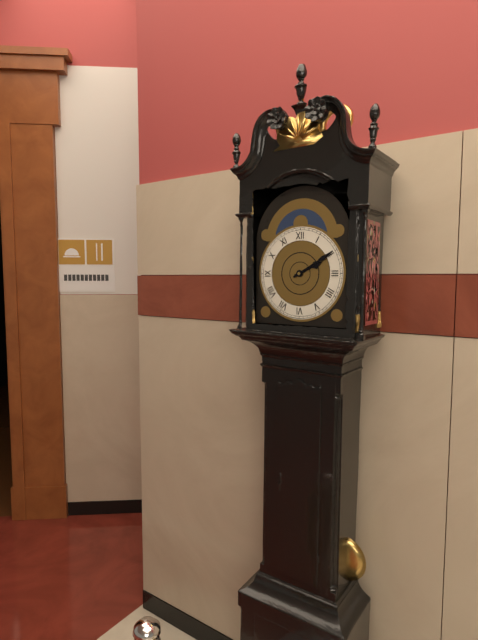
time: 2:10
